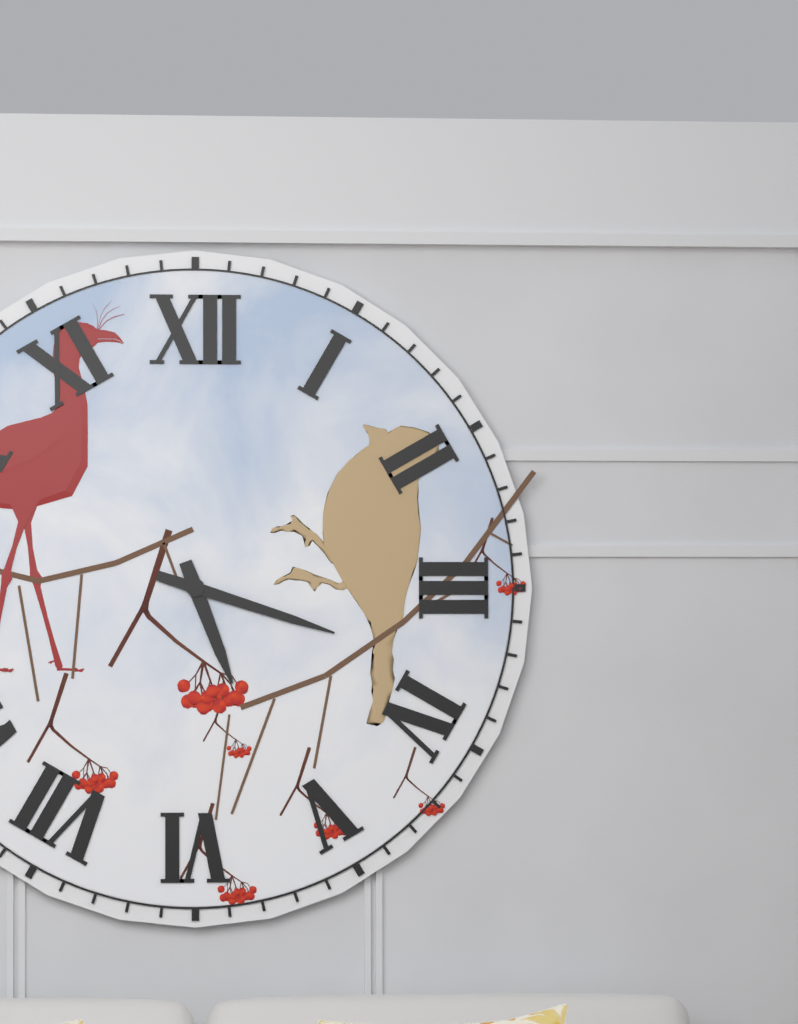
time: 5:18
